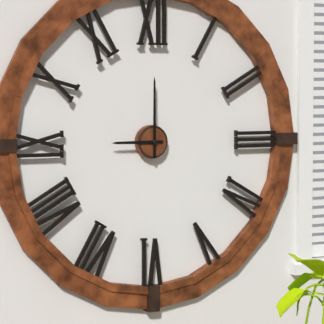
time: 9:00
